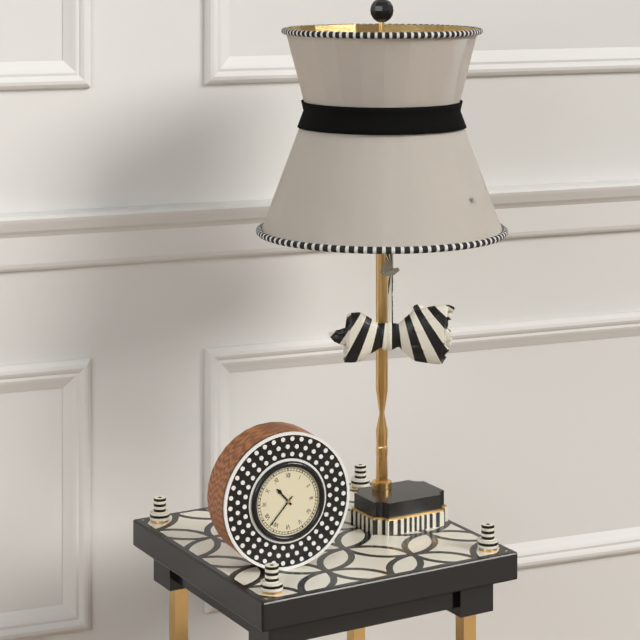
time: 10:37
